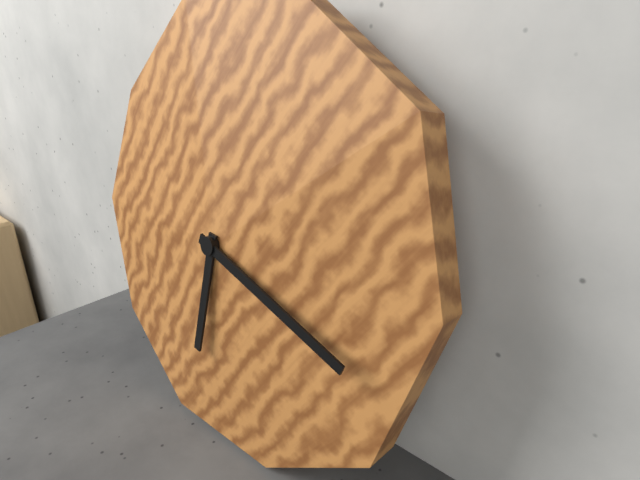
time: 6:18
